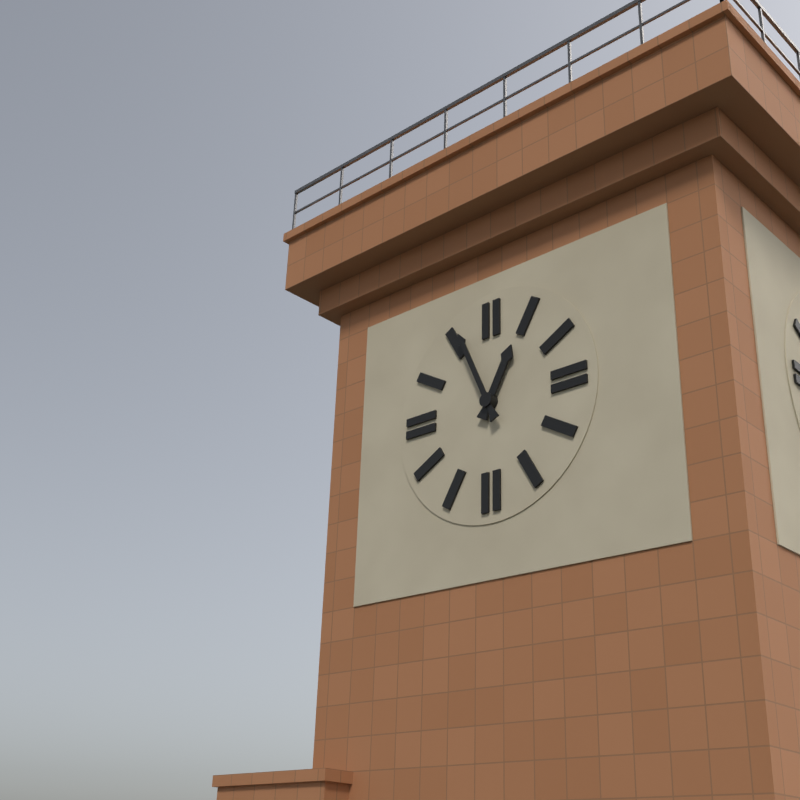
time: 12:56
